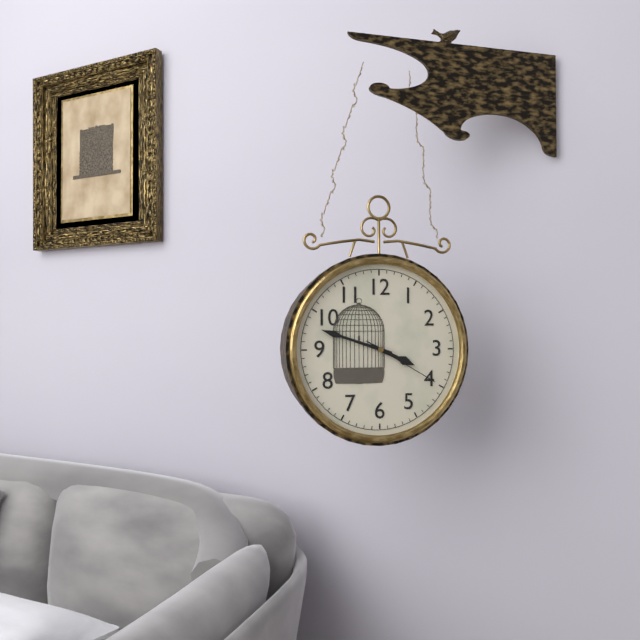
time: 3:48:20
